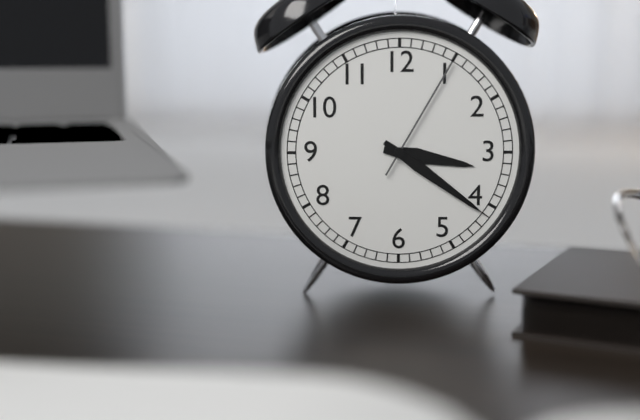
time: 3:21:05
